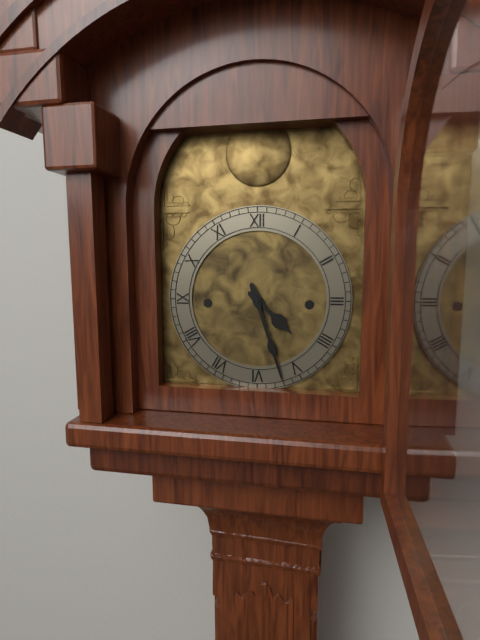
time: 4:27
